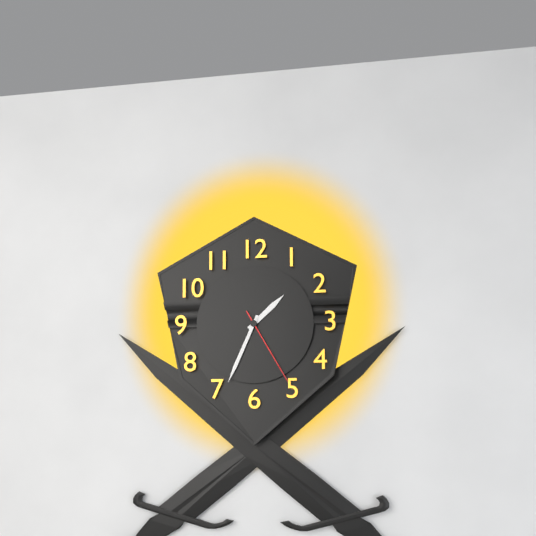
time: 1:34:25
